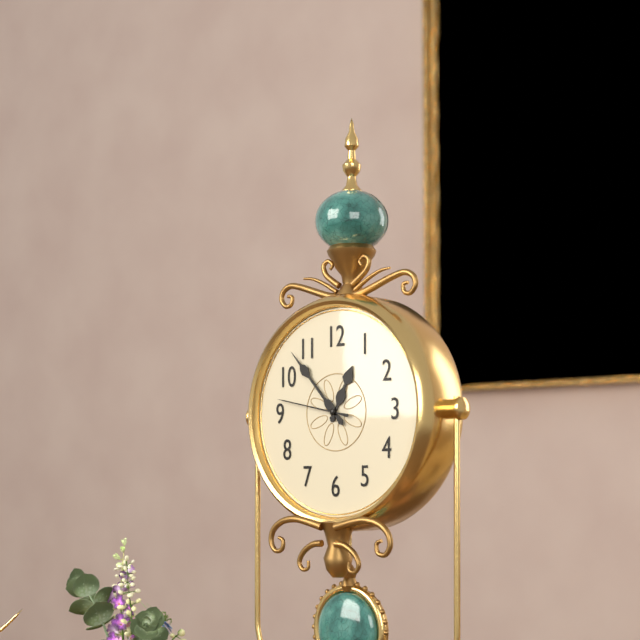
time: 12:53:47
